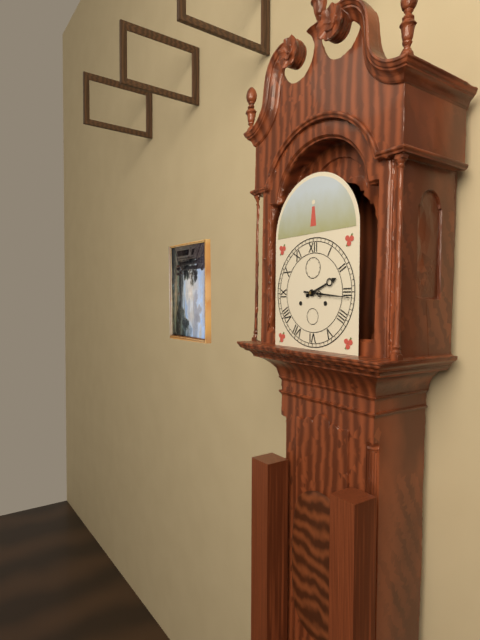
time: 2:16
